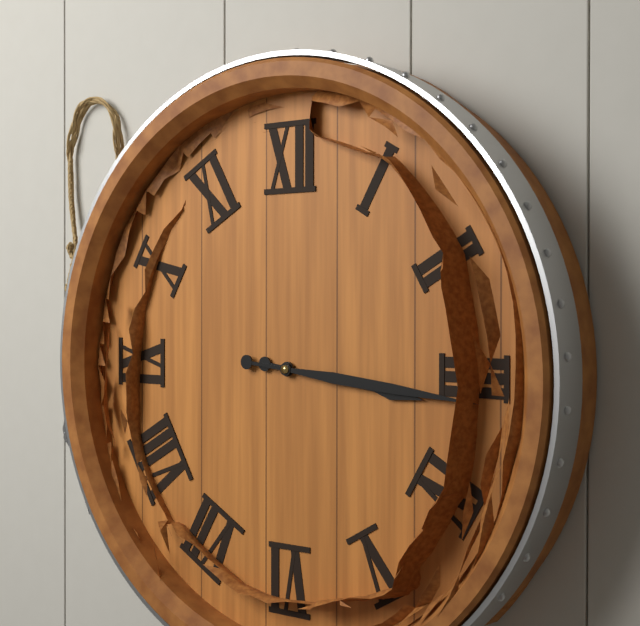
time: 3:16
